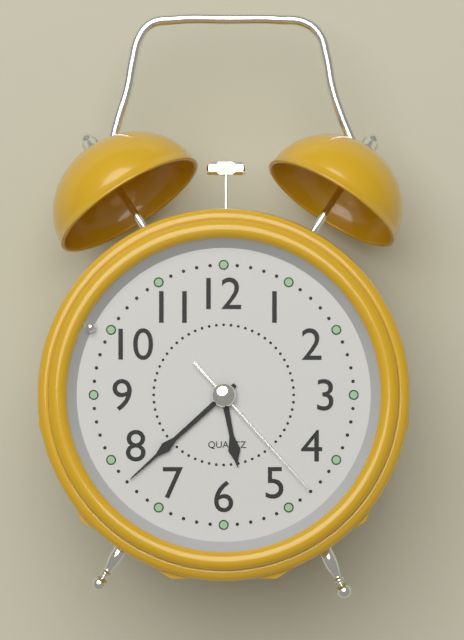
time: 5:38:23
